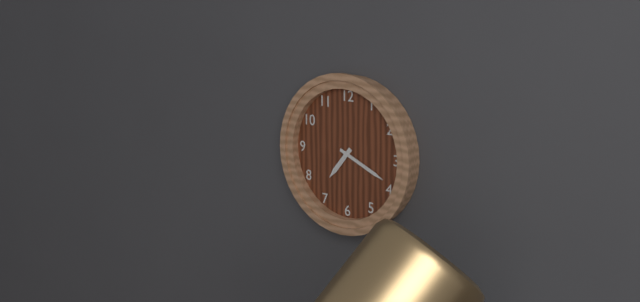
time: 7:19
